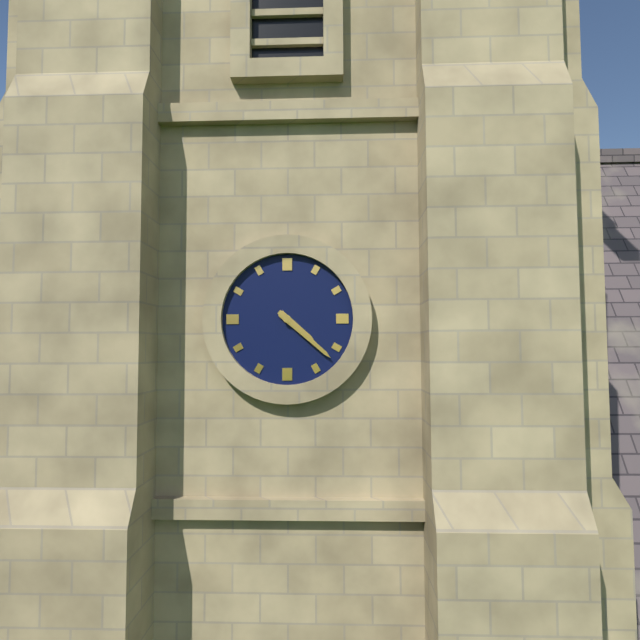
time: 4:22
